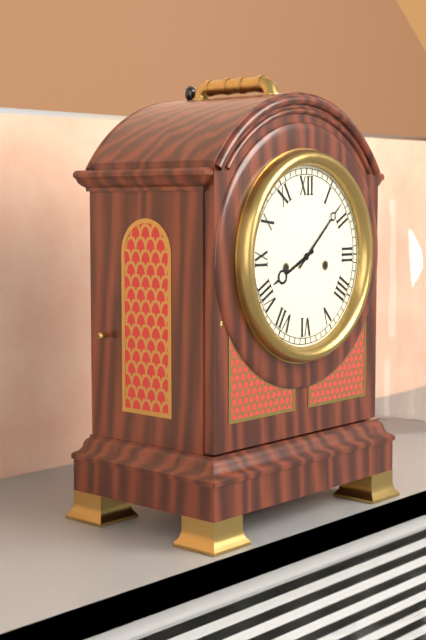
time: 8:08
